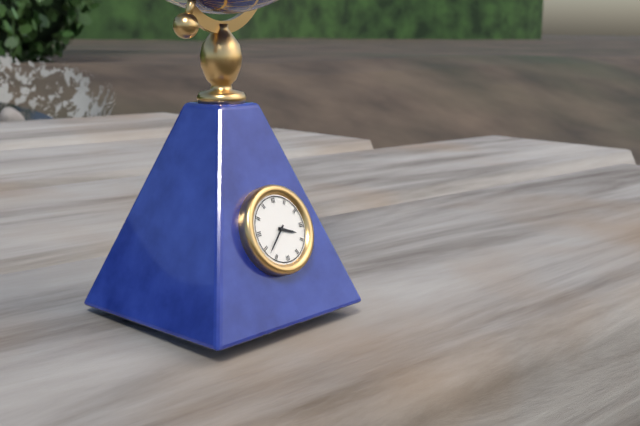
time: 3:38
